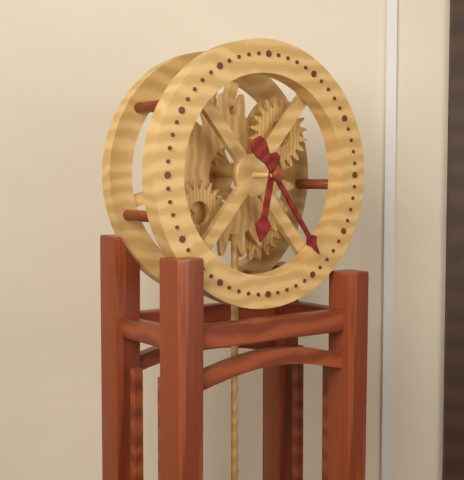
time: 6:24
